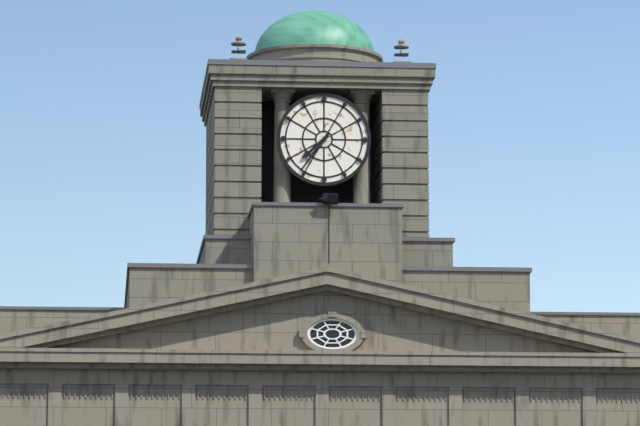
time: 7:36
